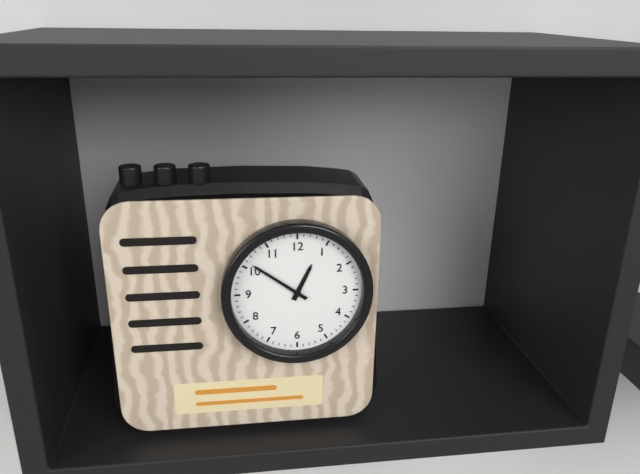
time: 12:51
